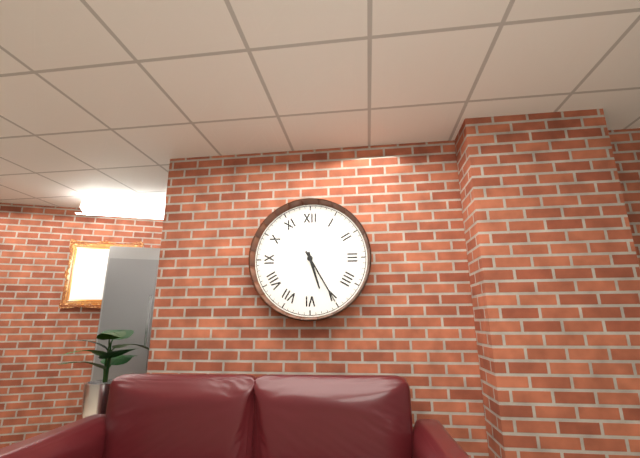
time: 5:25
